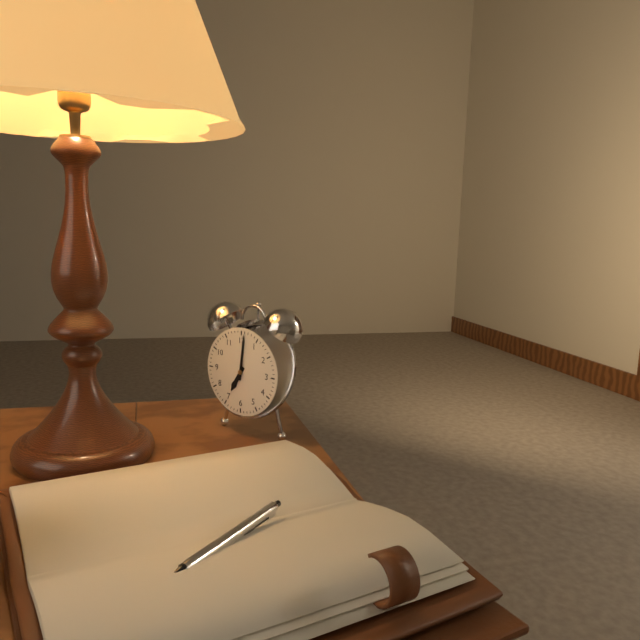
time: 7:01
